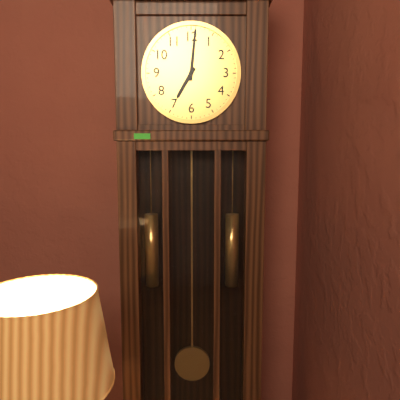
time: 7:01
